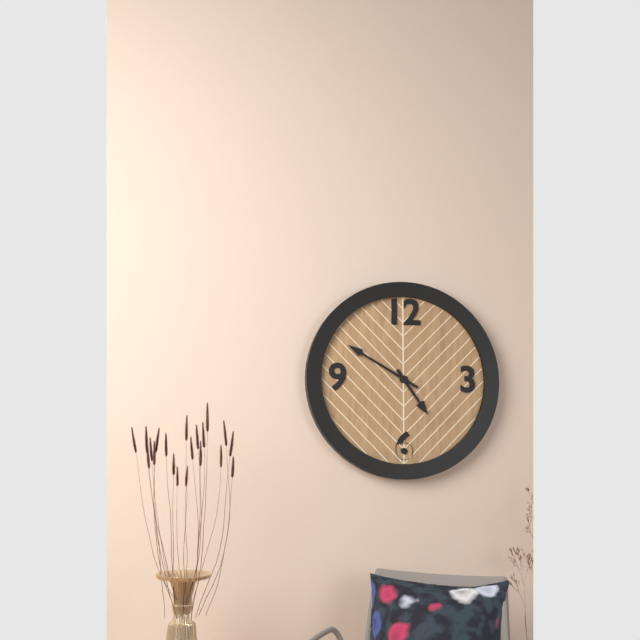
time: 4:50
